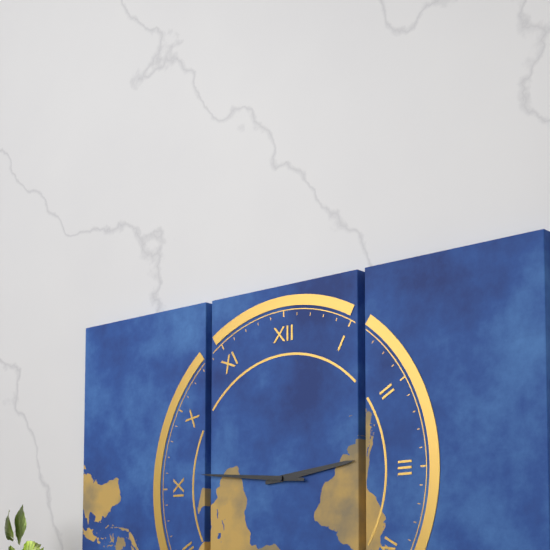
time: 2:46
